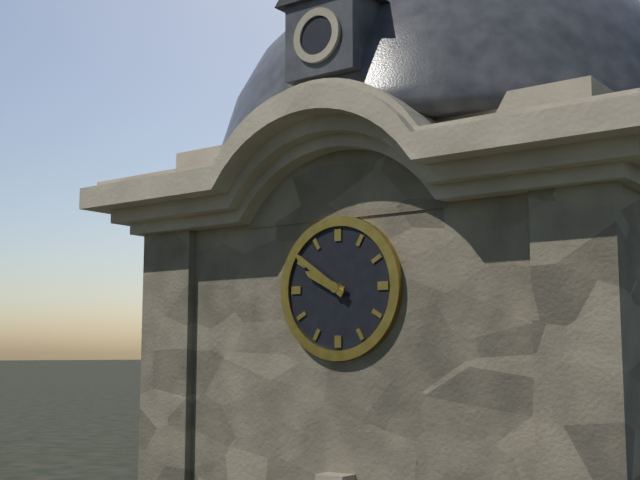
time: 9:51
